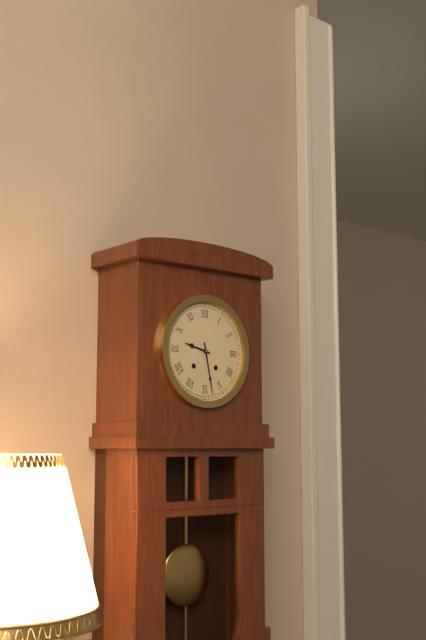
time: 9:28
